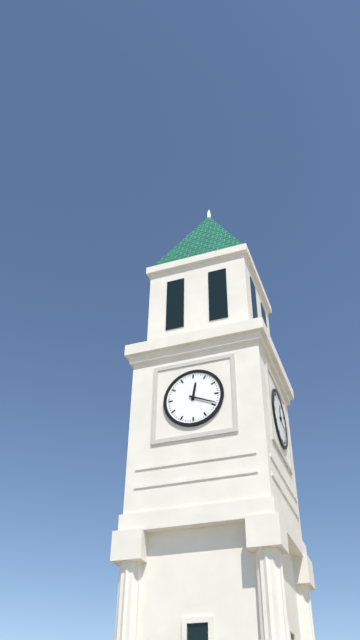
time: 12:19
